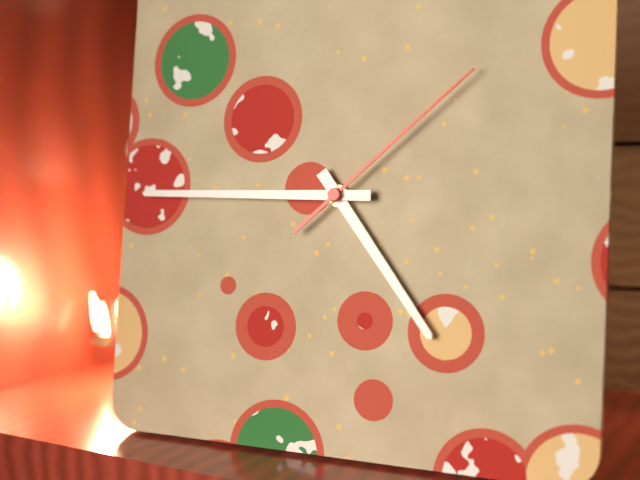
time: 4:45:08
